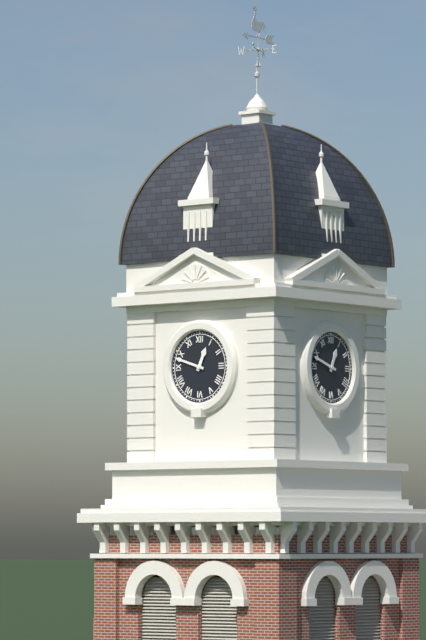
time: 12:48
